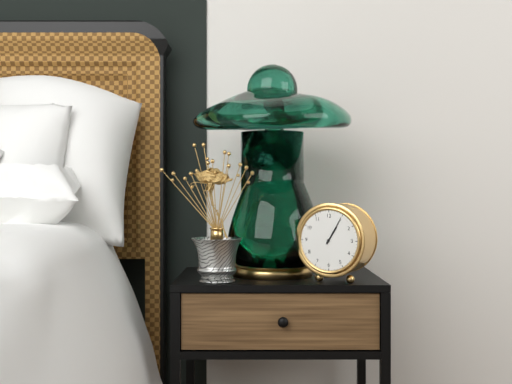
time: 1:05
